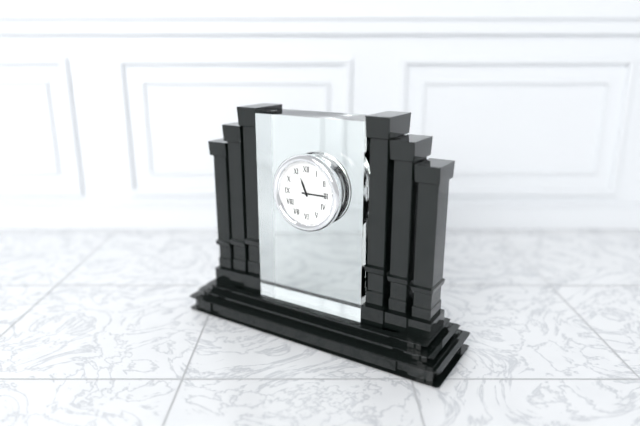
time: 11:15
